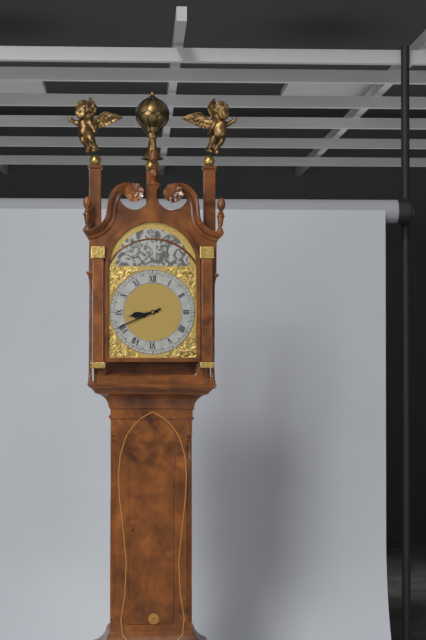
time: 8:41
